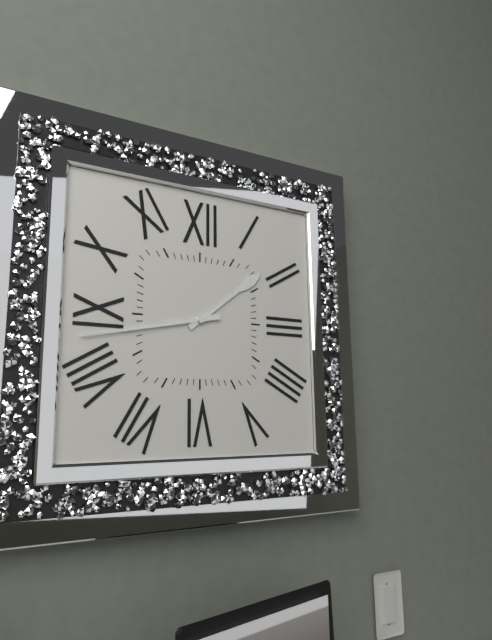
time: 1:43
